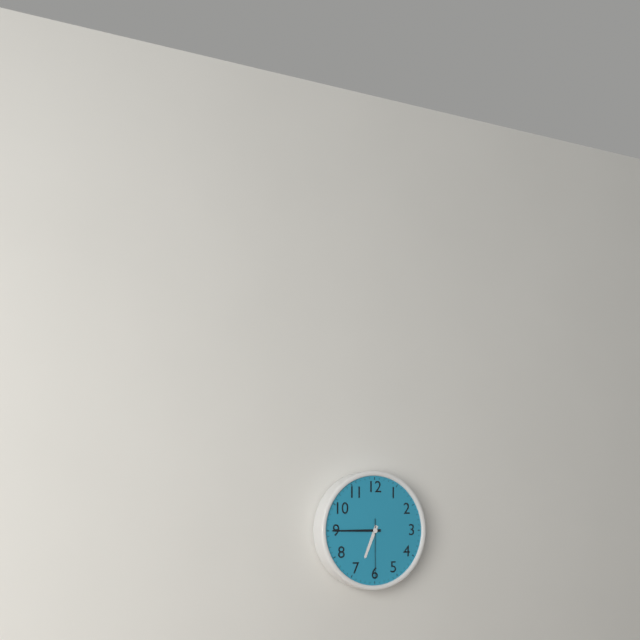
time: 6:45:30
